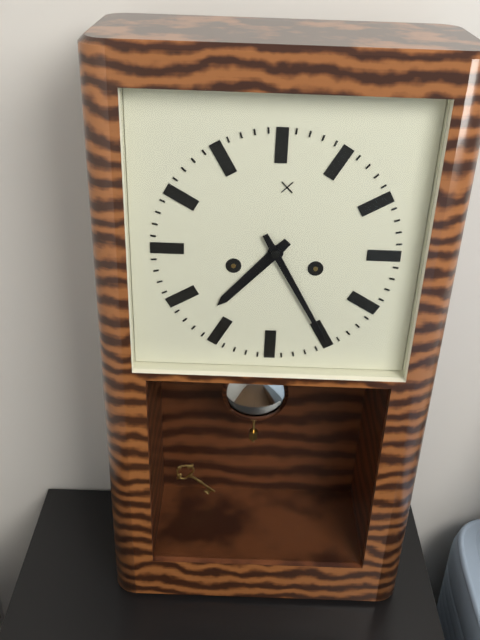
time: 7:25
